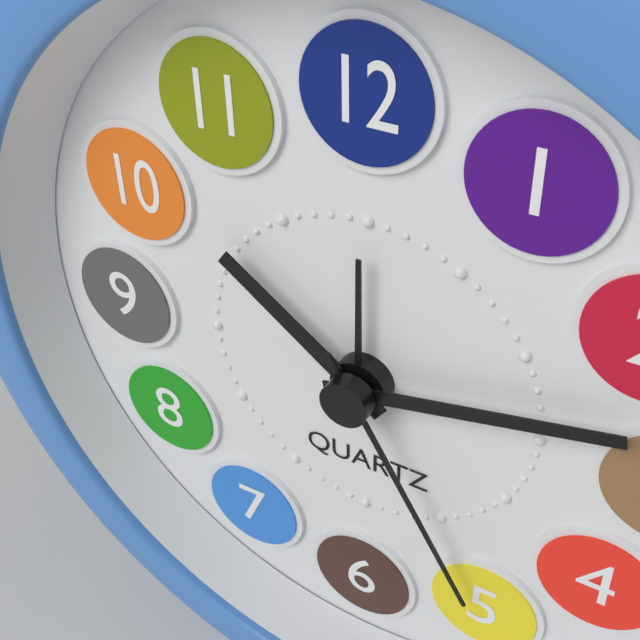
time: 10:13:25
